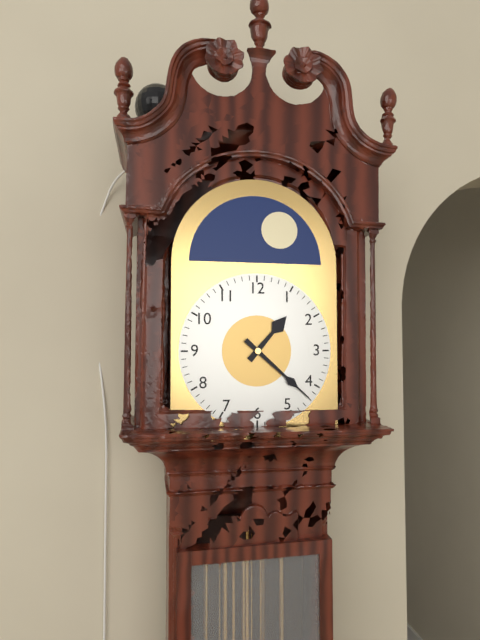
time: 1:22
